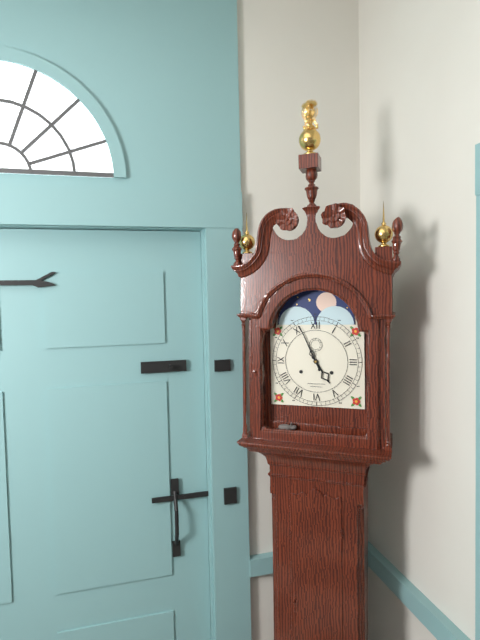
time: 4:56
